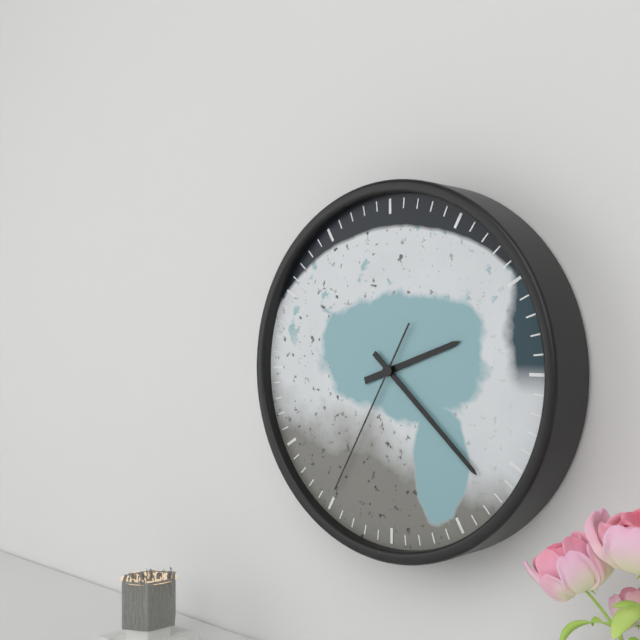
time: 2:22:35
